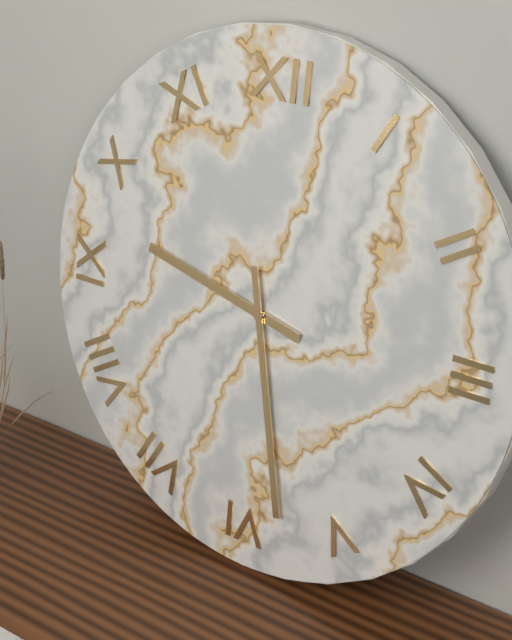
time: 9:28
